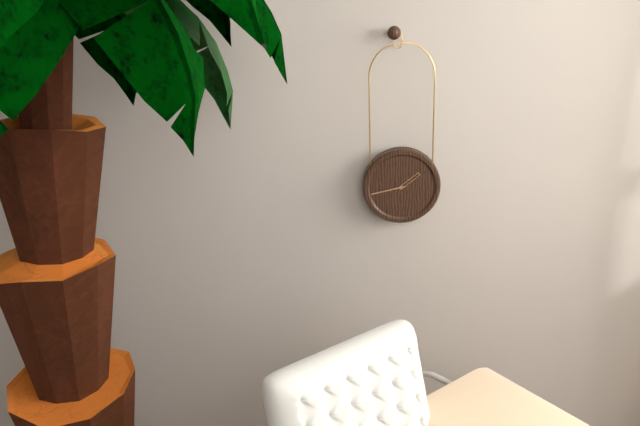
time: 1:43
